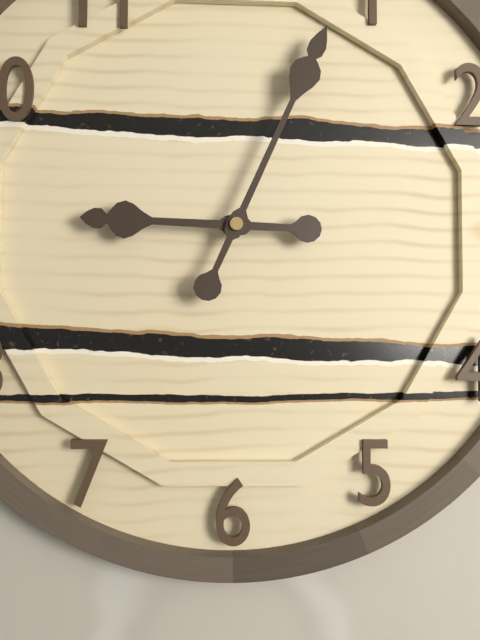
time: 9:04
